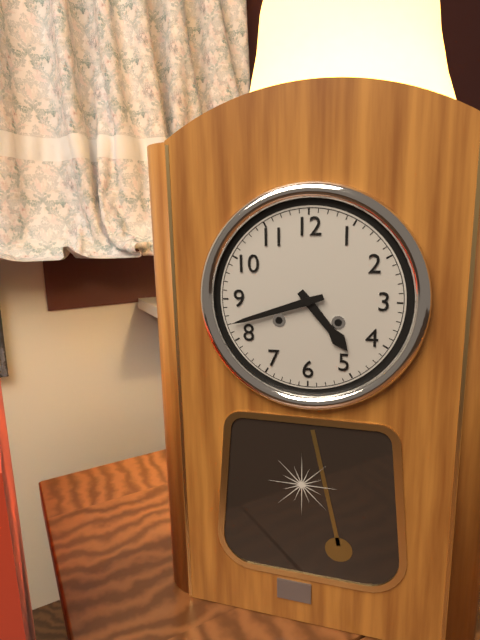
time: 4:42
